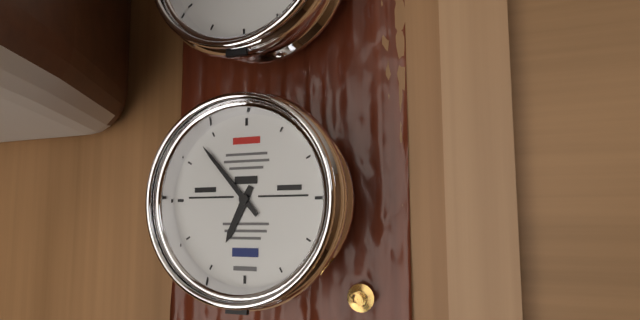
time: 6:53
